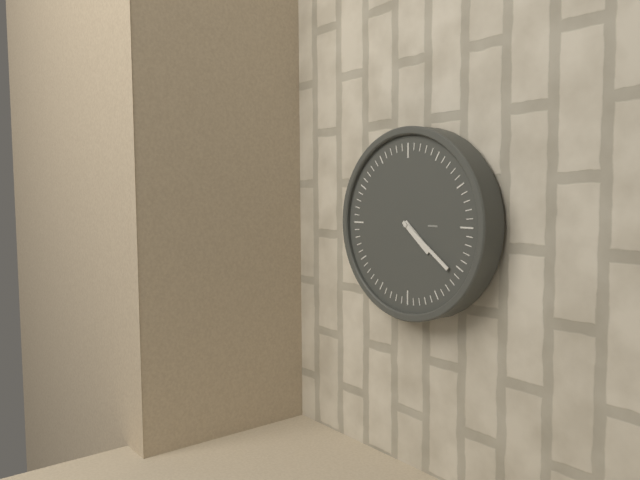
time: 4:21
